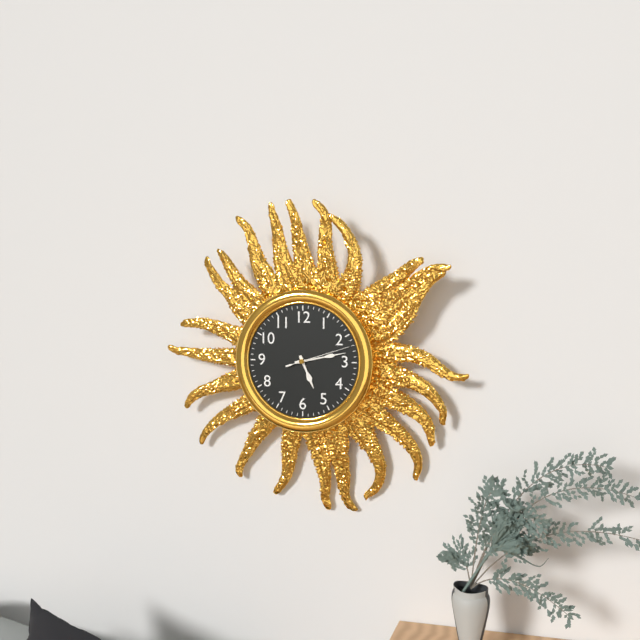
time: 5:13:12
